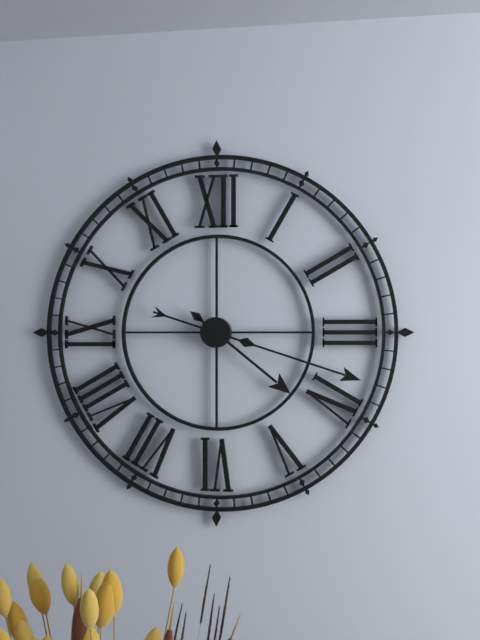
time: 4:18
